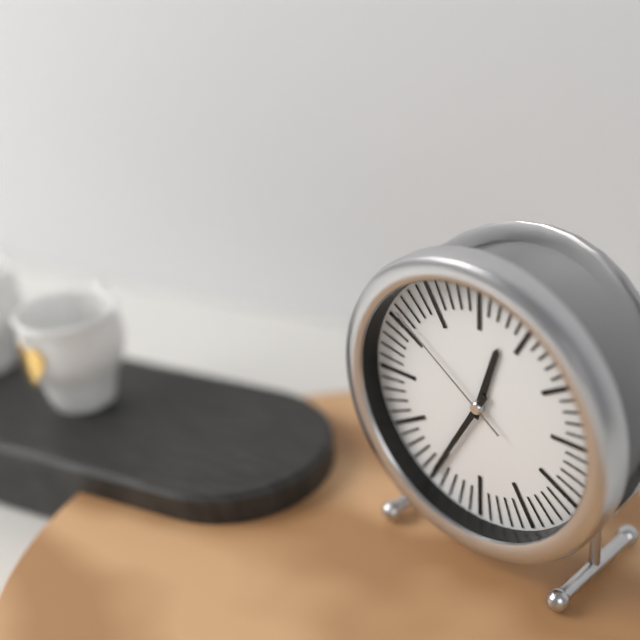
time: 12:35:51
